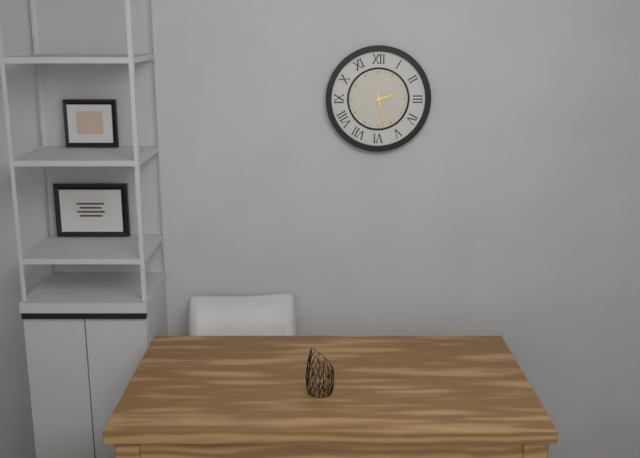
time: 2:28
